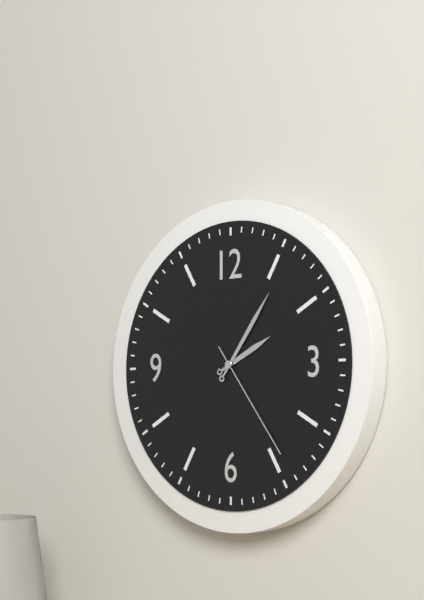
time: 2:06:24
